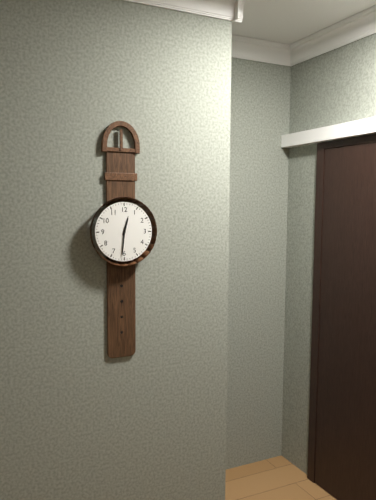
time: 12:31
